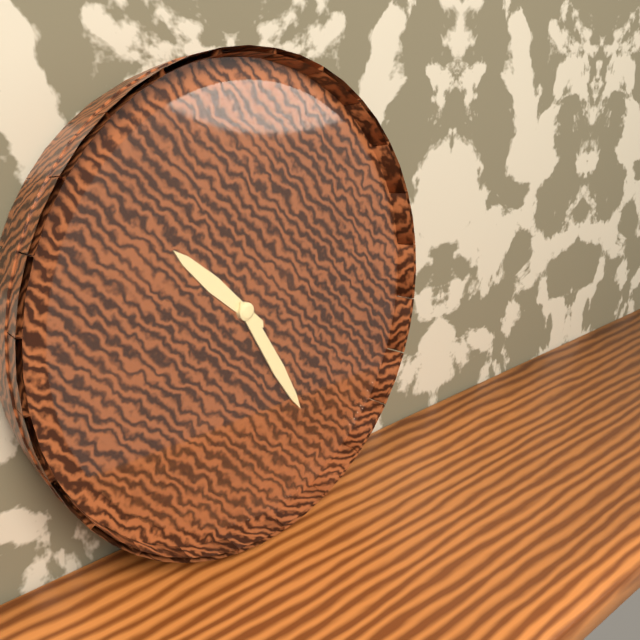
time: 10:25
